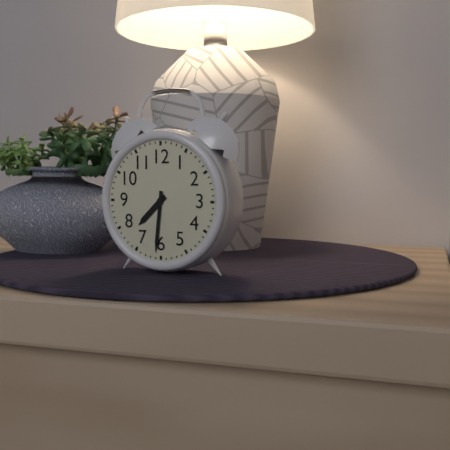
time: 7:31
